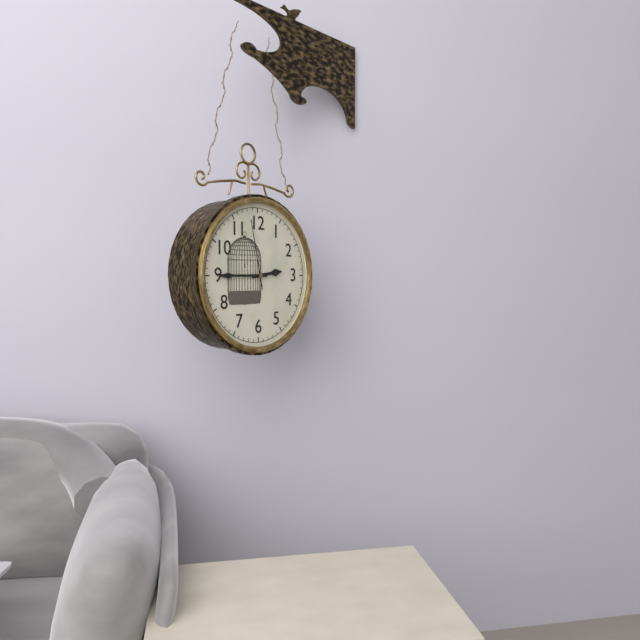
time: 2:45:58
